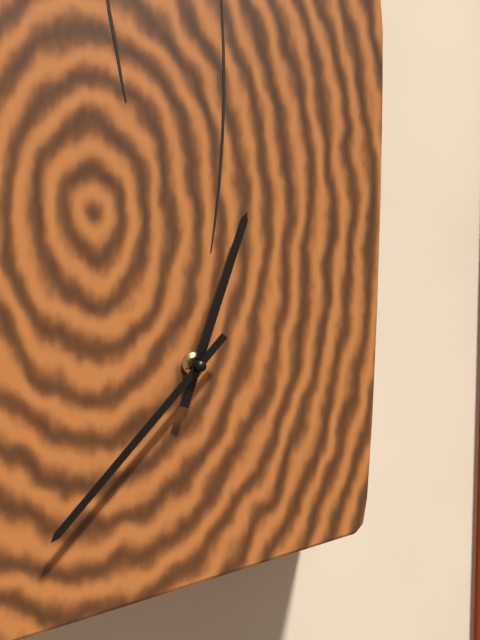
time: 12:37
